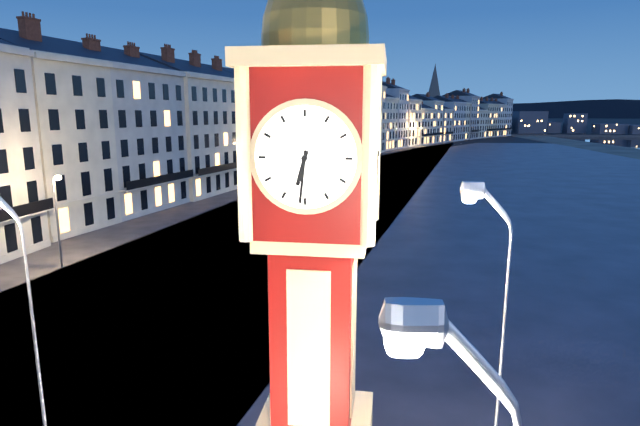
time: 6:31
